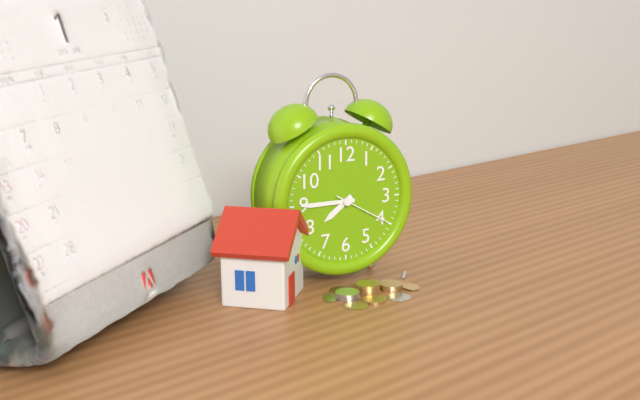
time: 7:45:20
